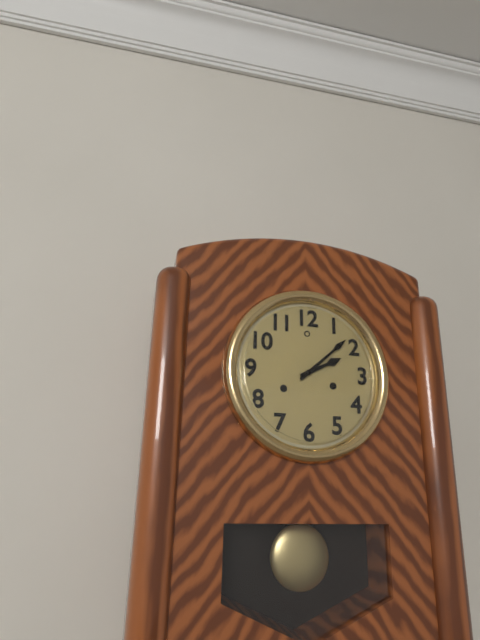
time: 2:08
